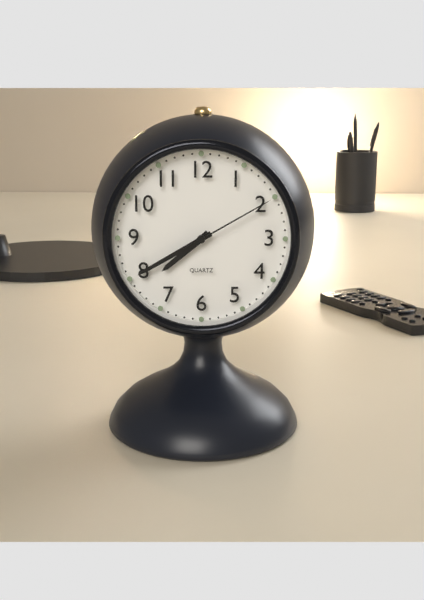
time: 7:40:10
